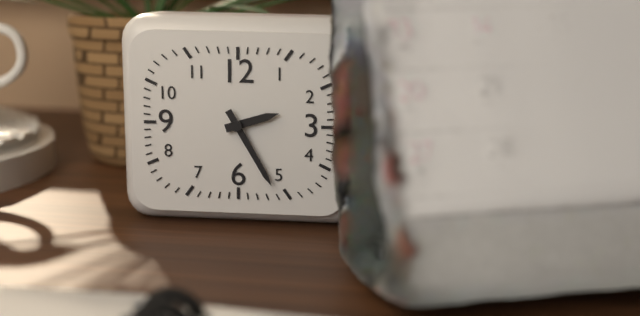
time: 2:25
